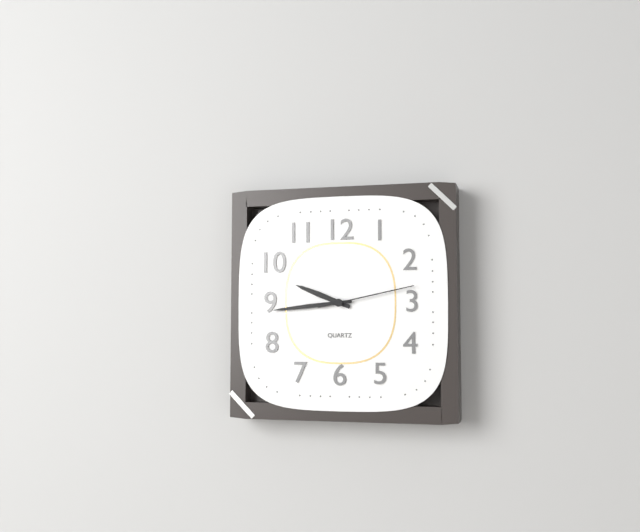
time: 9:44:13
